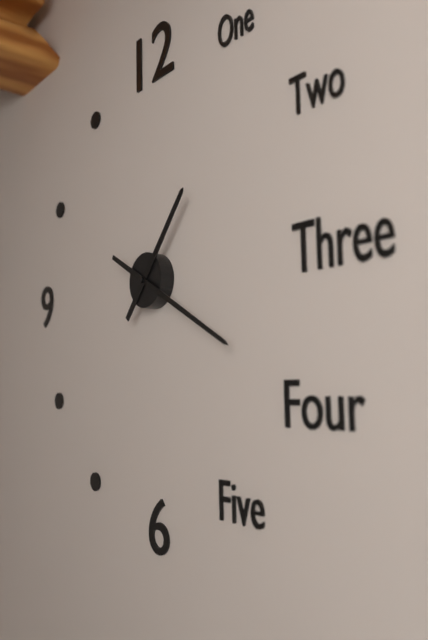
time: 1:20
